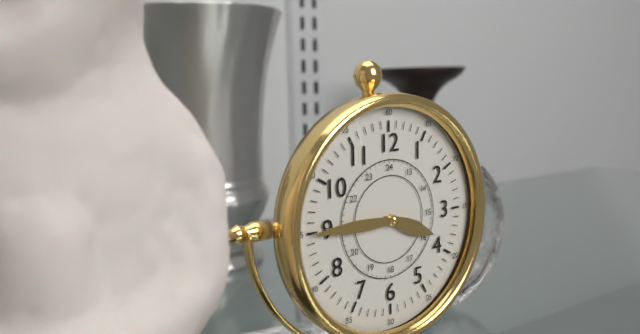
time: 3:45
